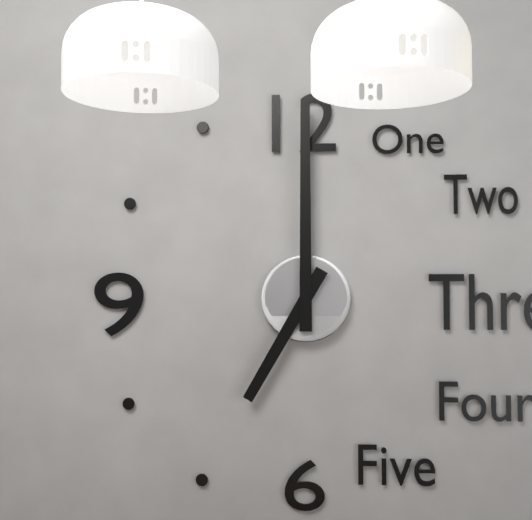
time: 7:00
